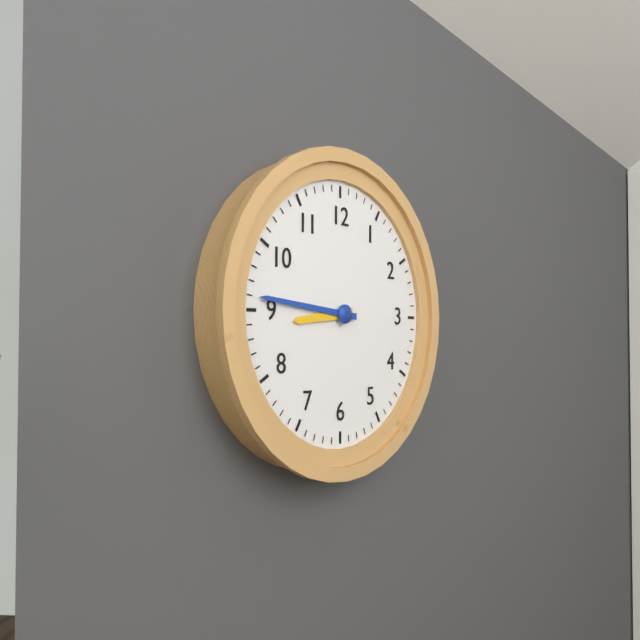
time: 8:46
